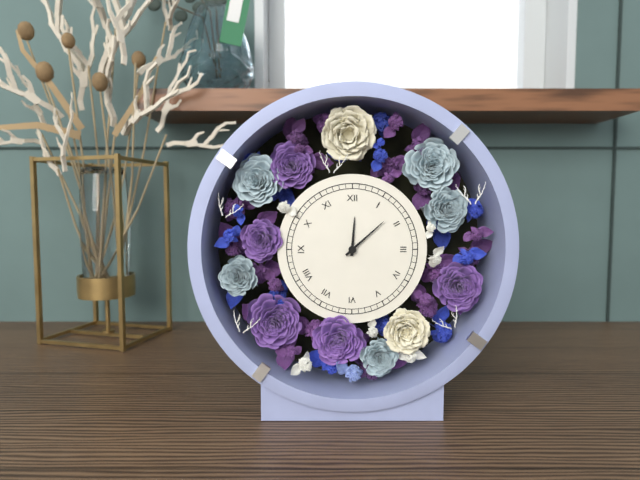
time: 12:08
